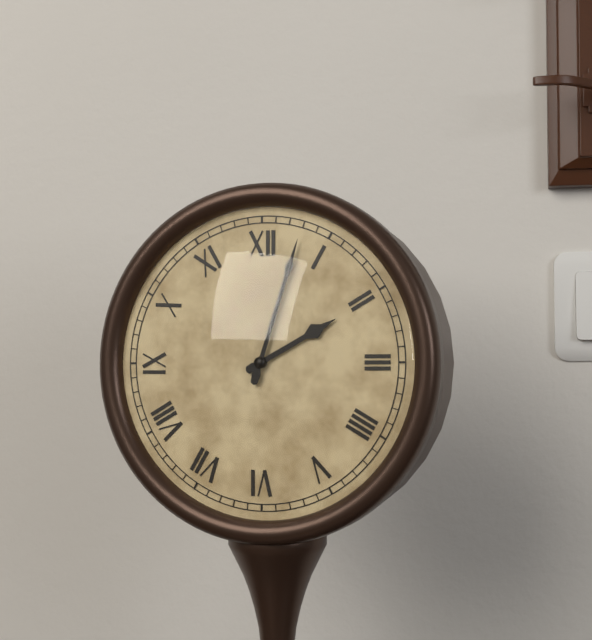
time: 2:03
